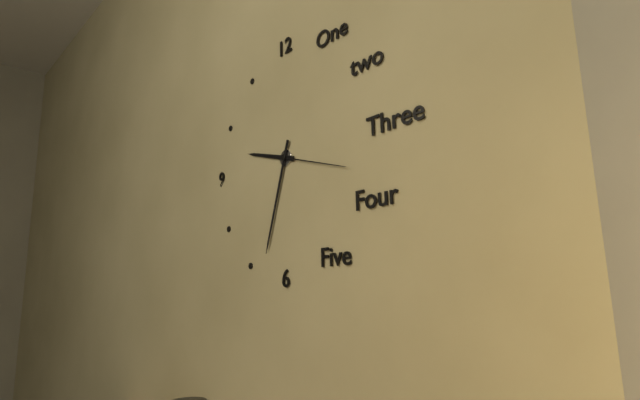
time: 9:33:18
